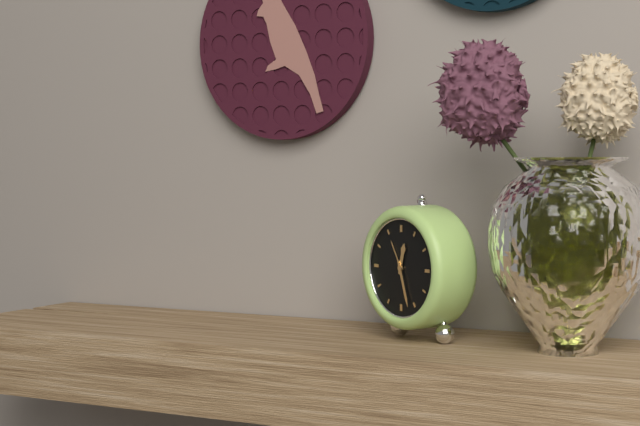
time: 12:27
